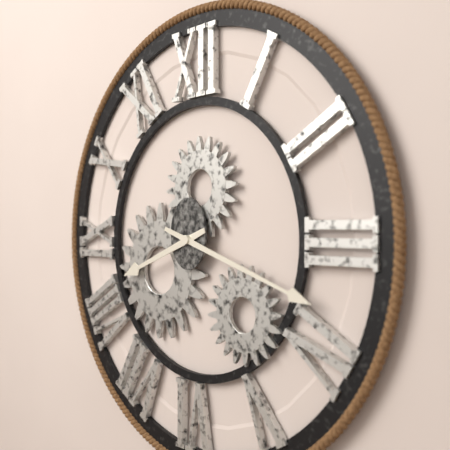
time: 8:18
